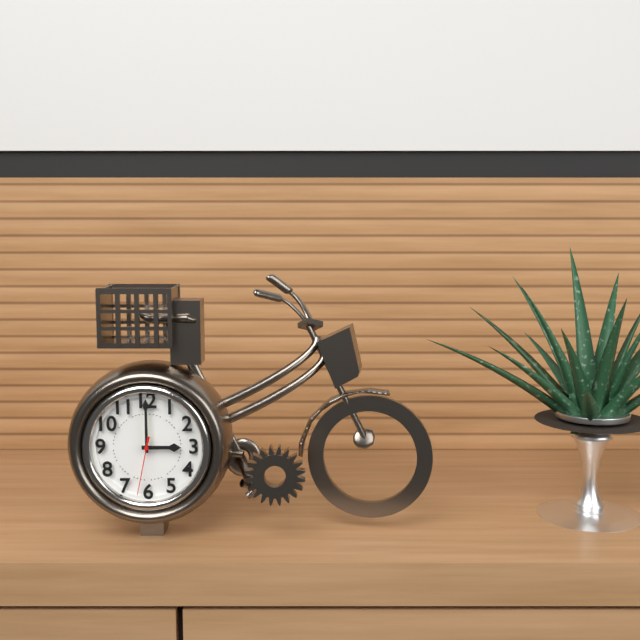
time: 3:00:32
